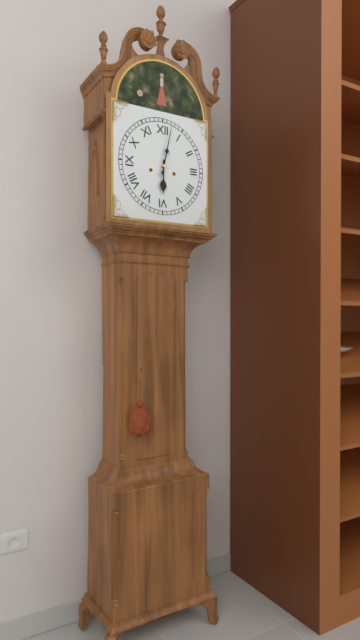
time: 6:02
